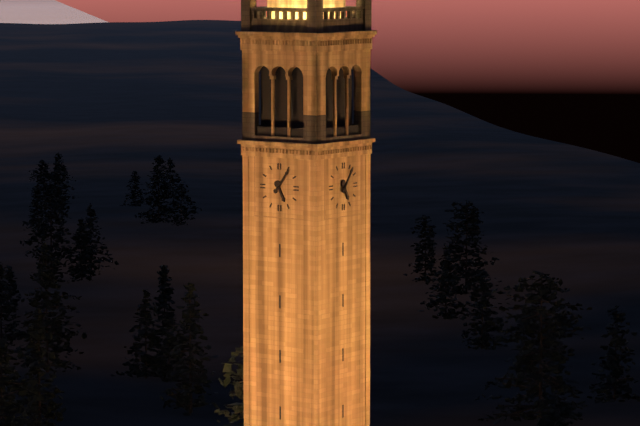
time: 5:06
